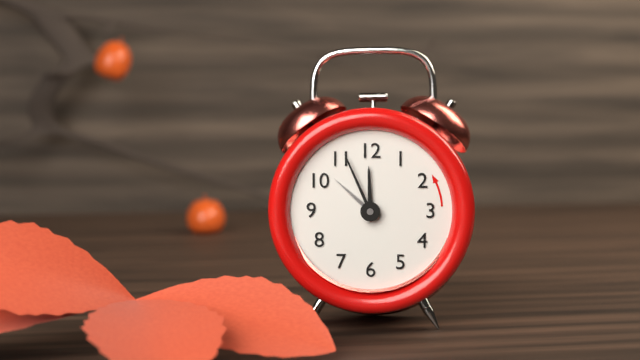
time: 11:56:52
